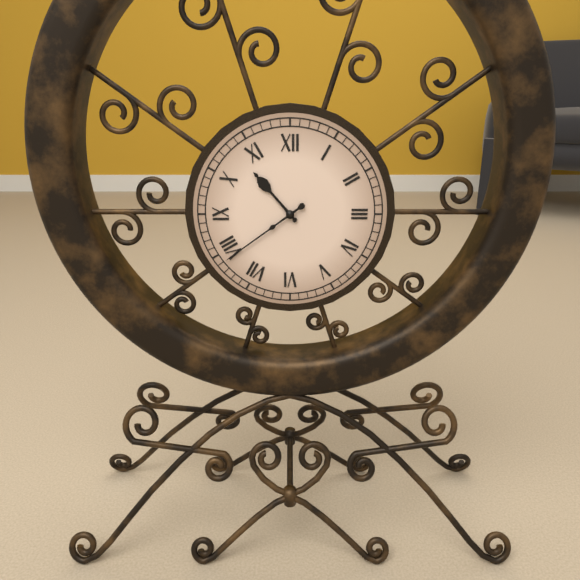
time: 10:39
